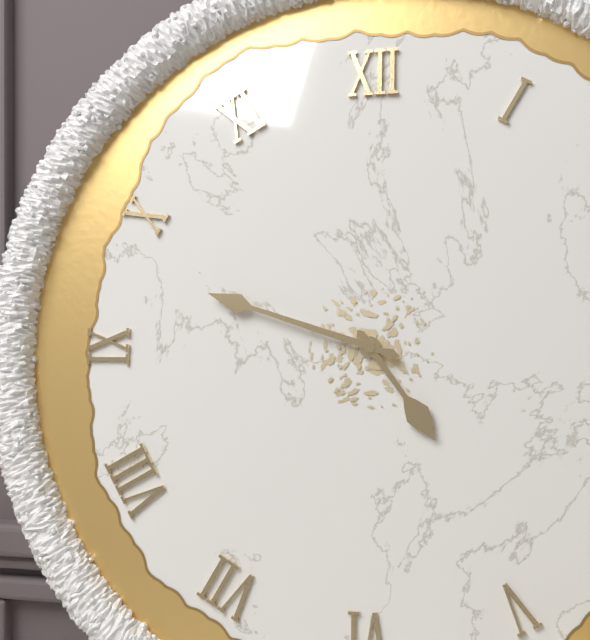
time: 4:48
